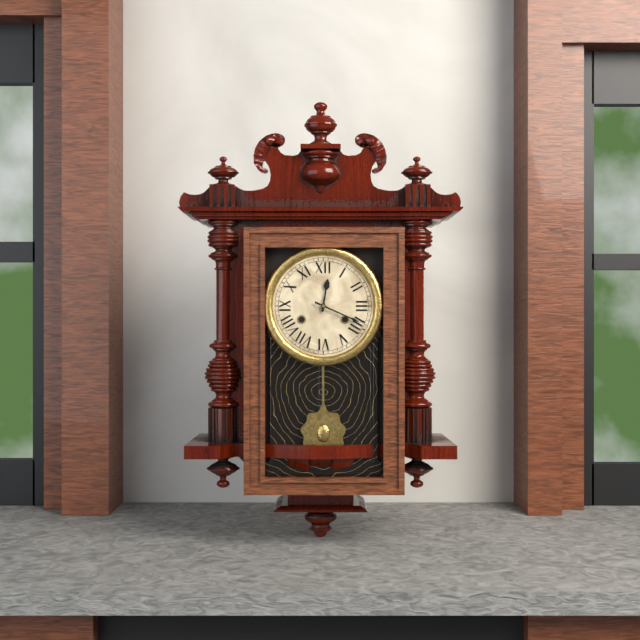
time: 12:19
